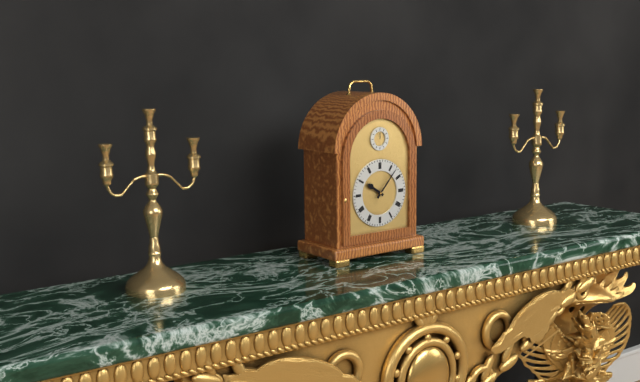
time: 10:07
